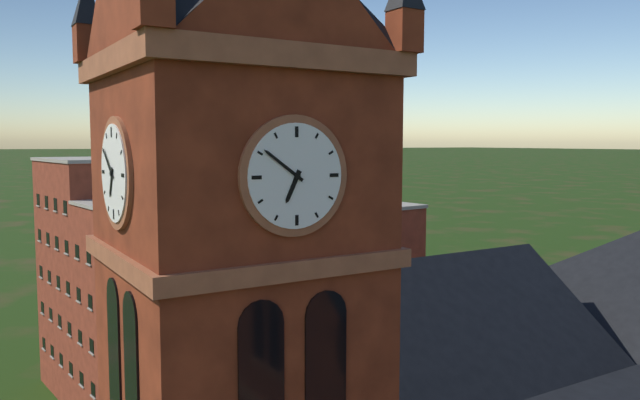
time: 6:51
